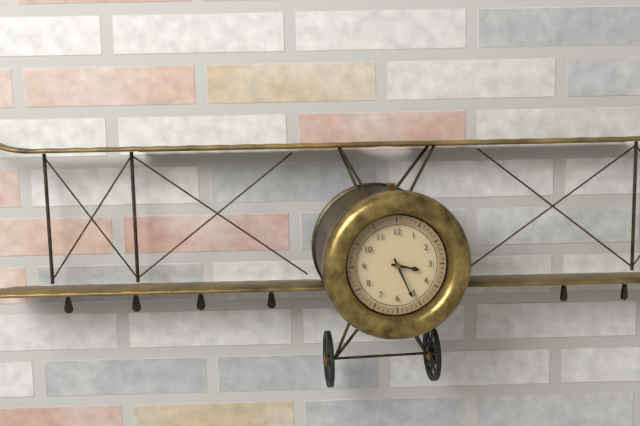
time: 3:26
